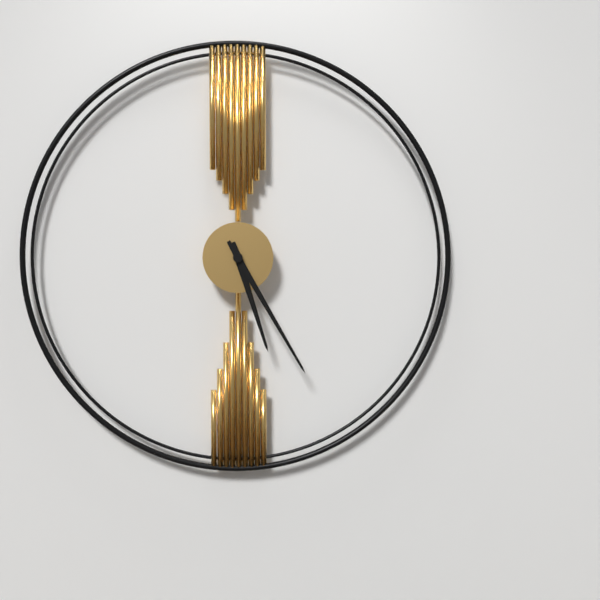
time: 5:25
